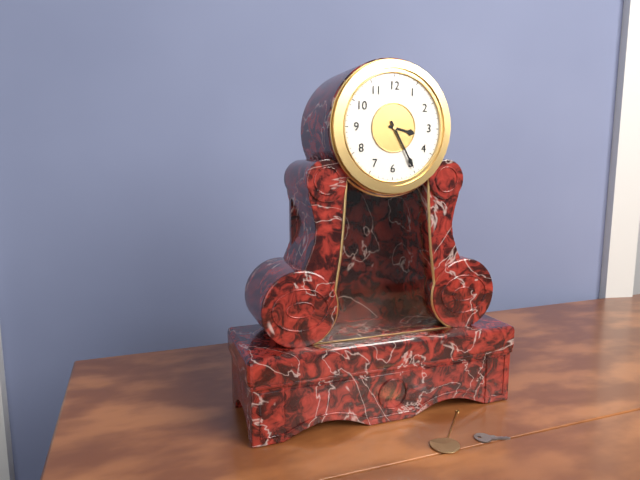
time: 3:25
